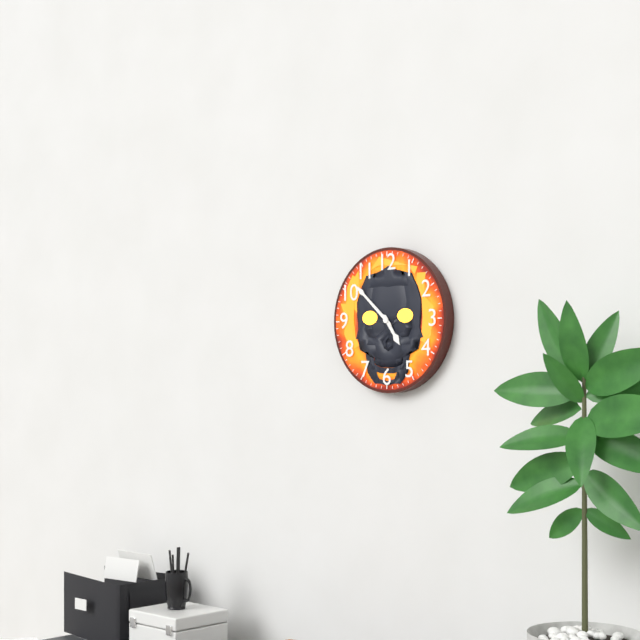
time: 4:52
